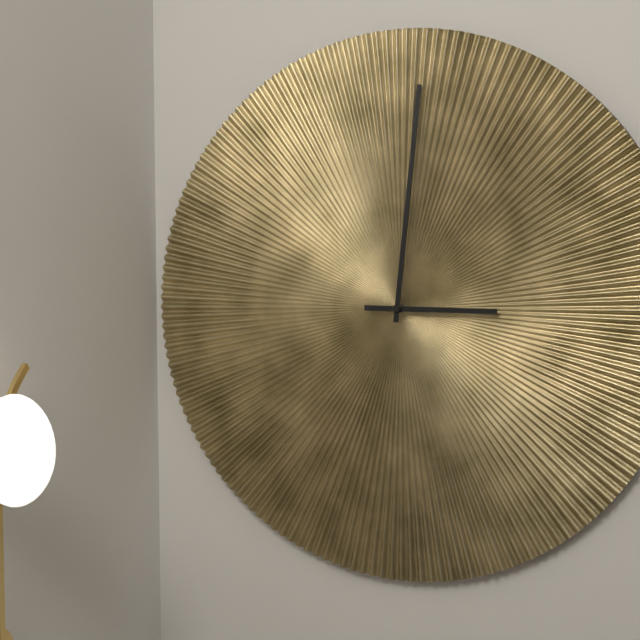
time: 3:01
